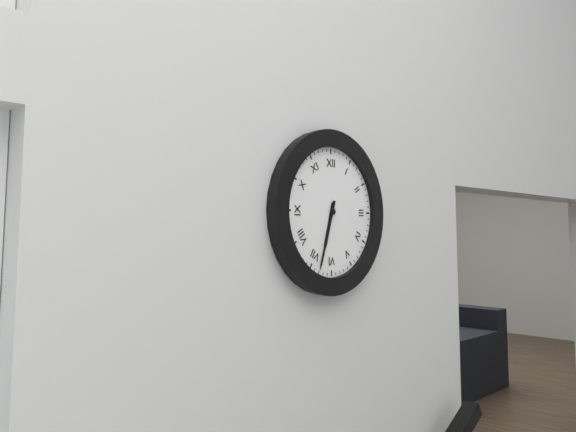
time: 6:33
